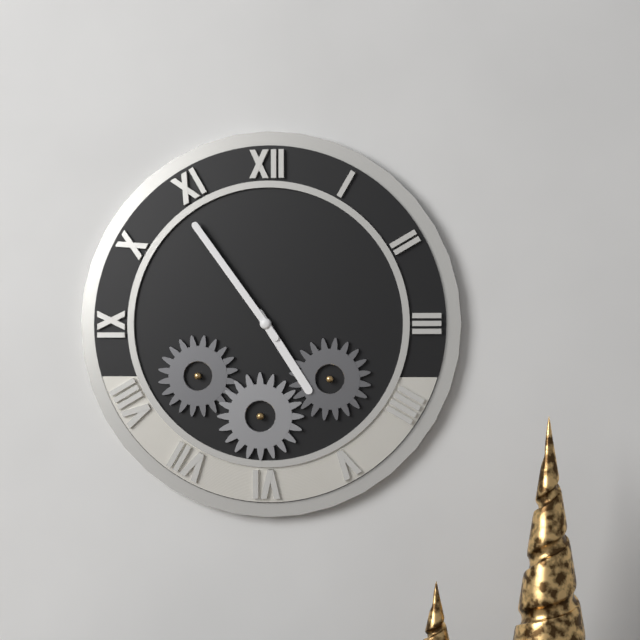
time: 4:54
